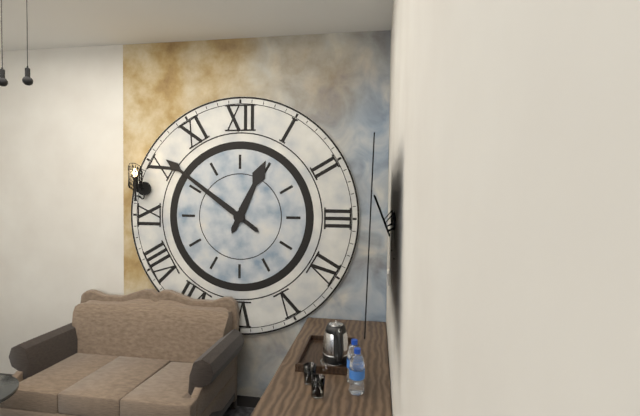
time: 12:51
